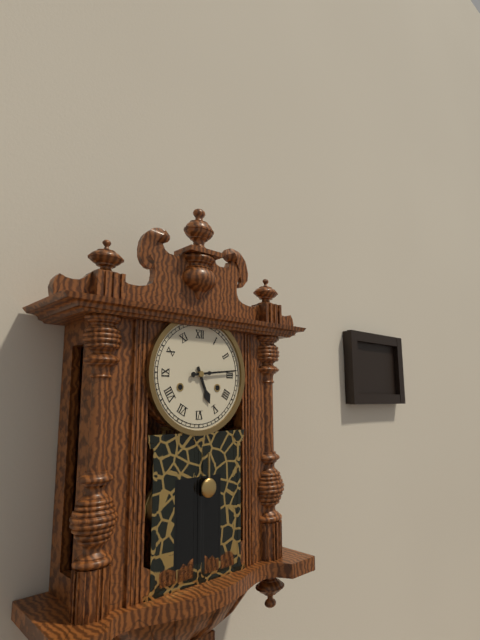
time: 5:14
